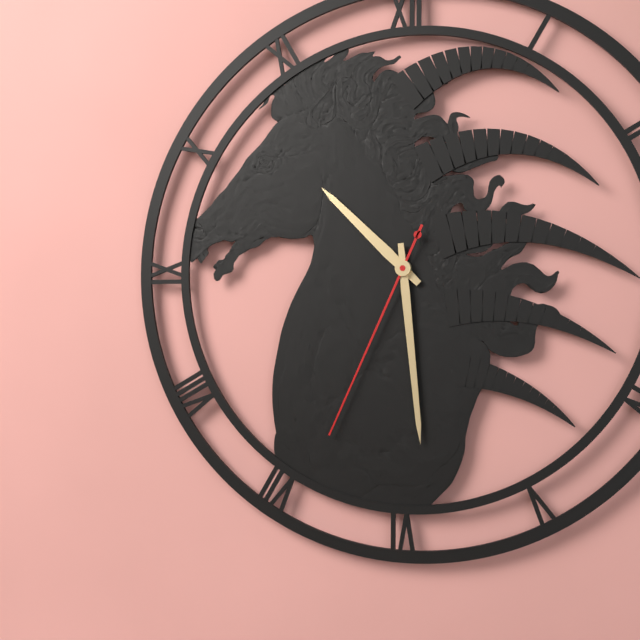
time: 10:29:34
